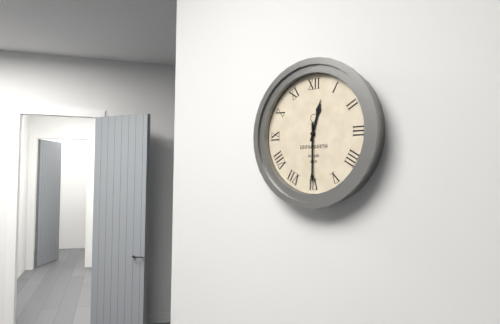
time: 12:30
